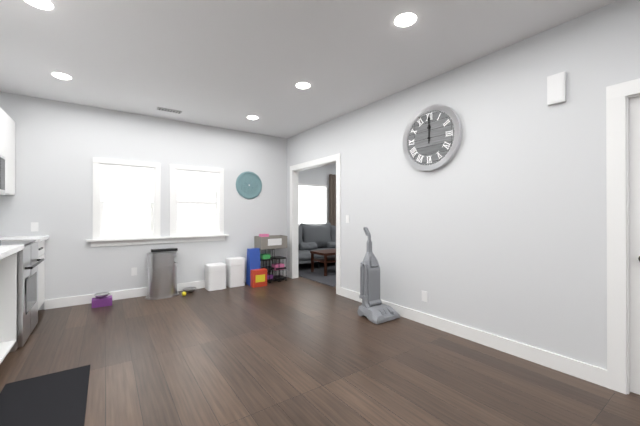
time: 12:00
